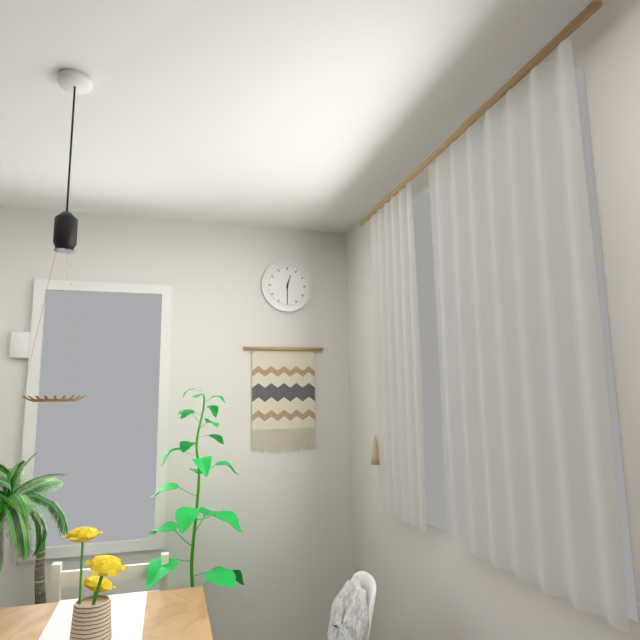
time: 12:30
